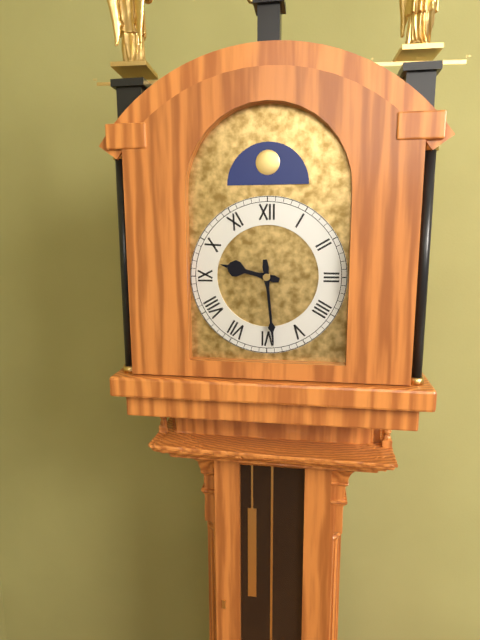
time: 9:29
